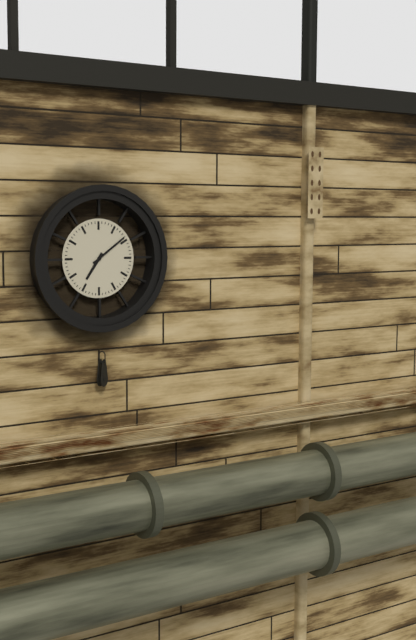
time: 7:09
